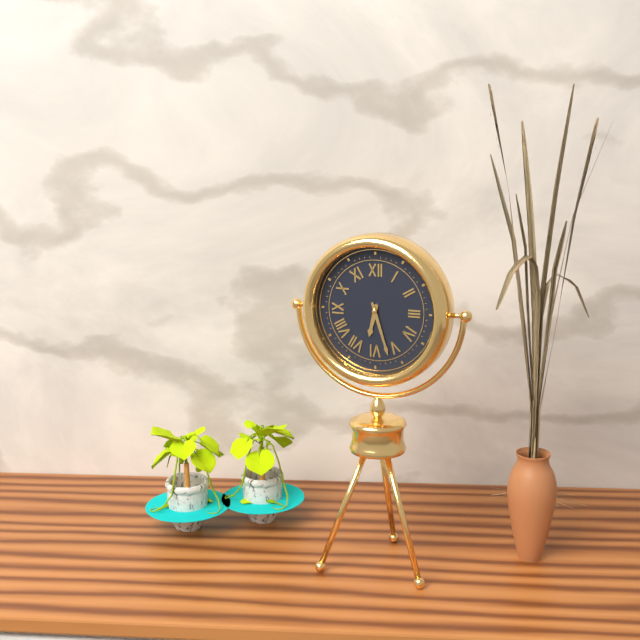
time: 6:27
